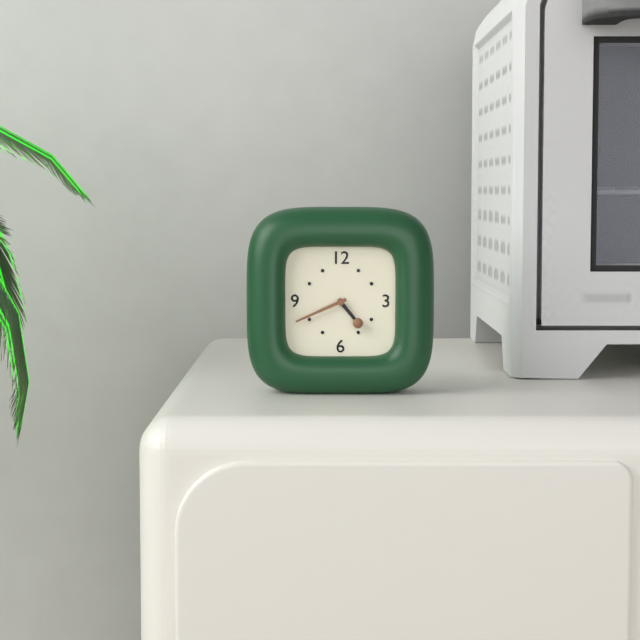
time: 4:41
